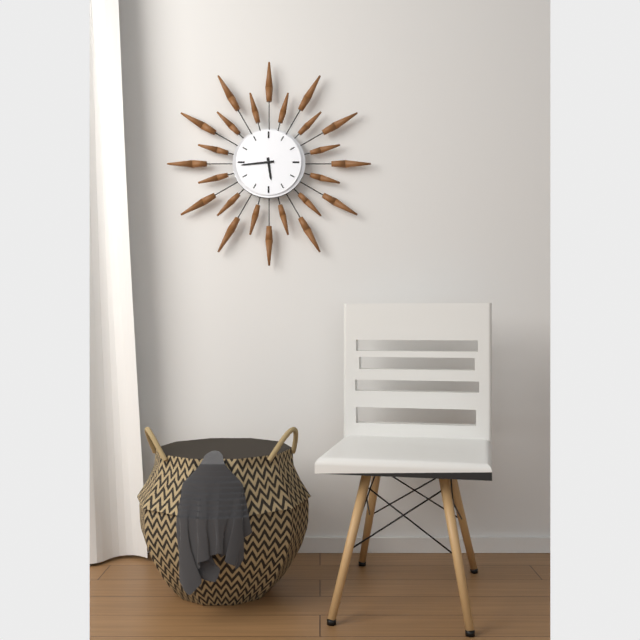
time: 5:44
